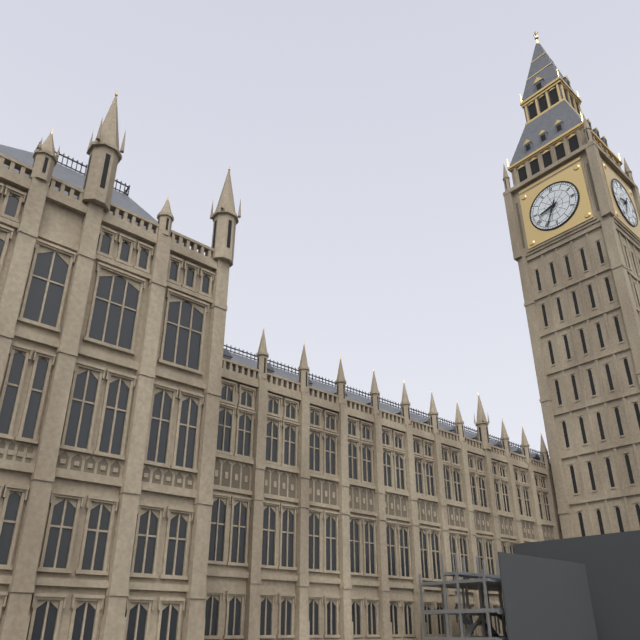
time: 8:34
